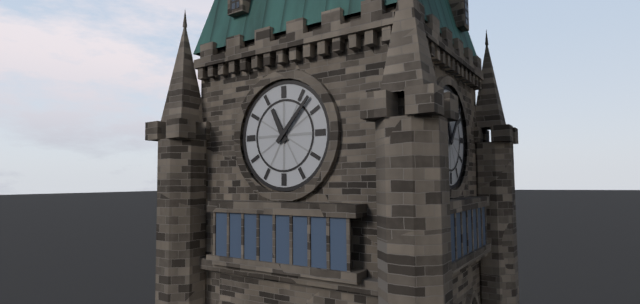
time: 11:07
